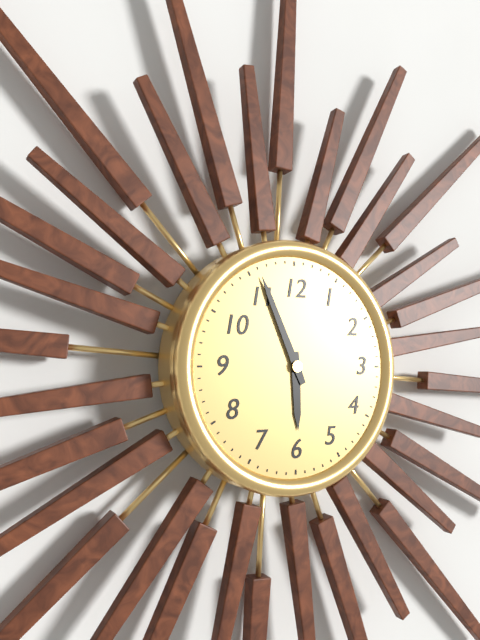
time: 5:56
